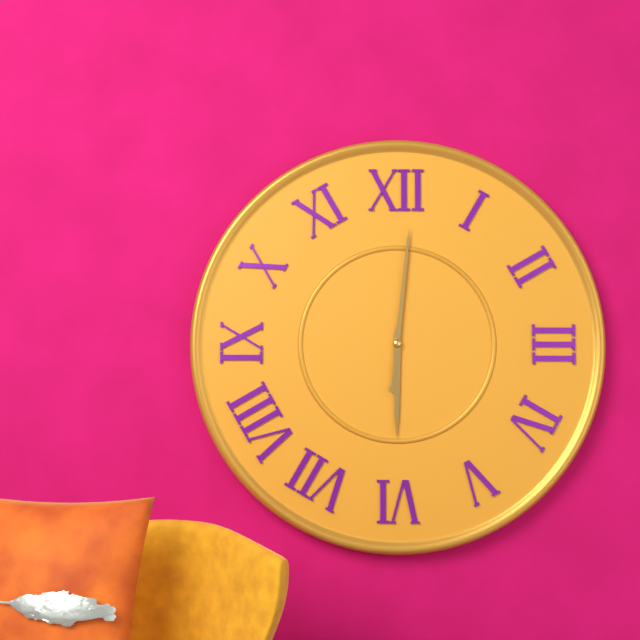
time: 6:01
